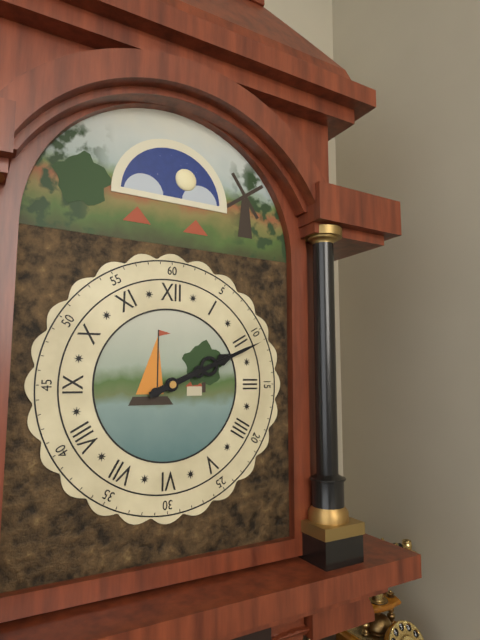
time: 2:11
